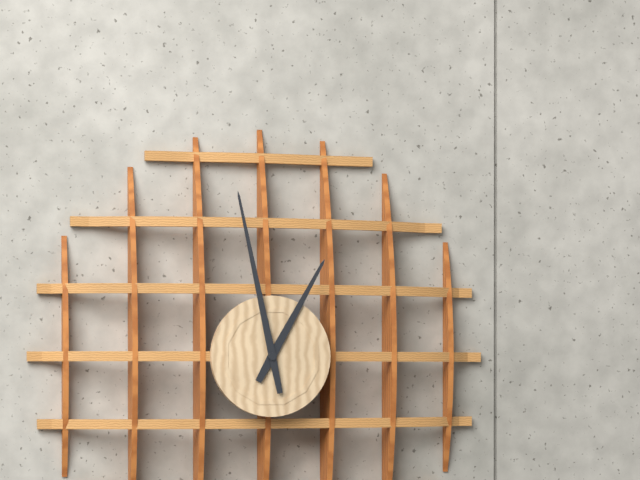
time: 12:58
